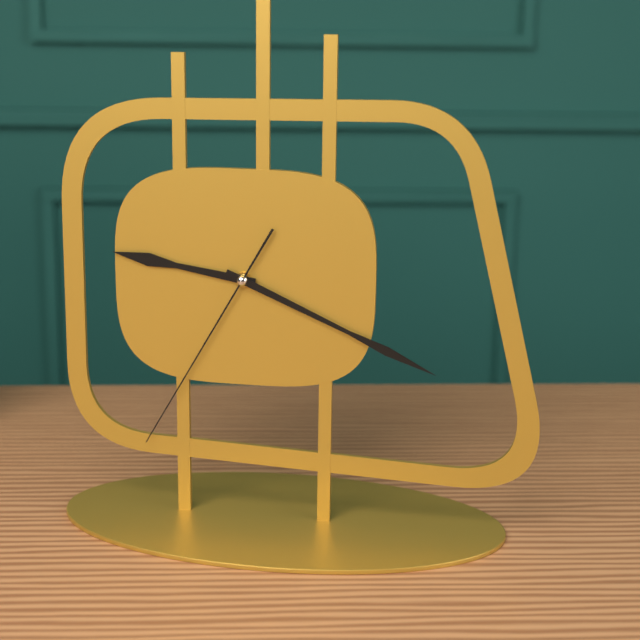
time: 9:19:35
